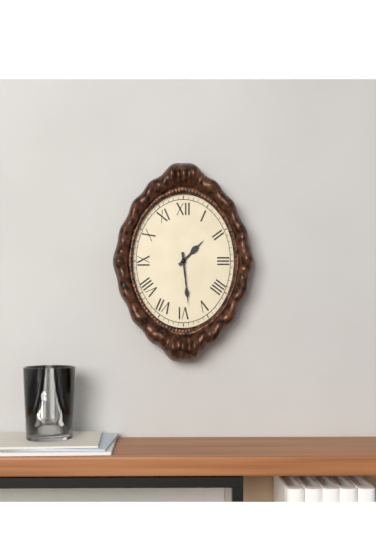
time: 1:29
